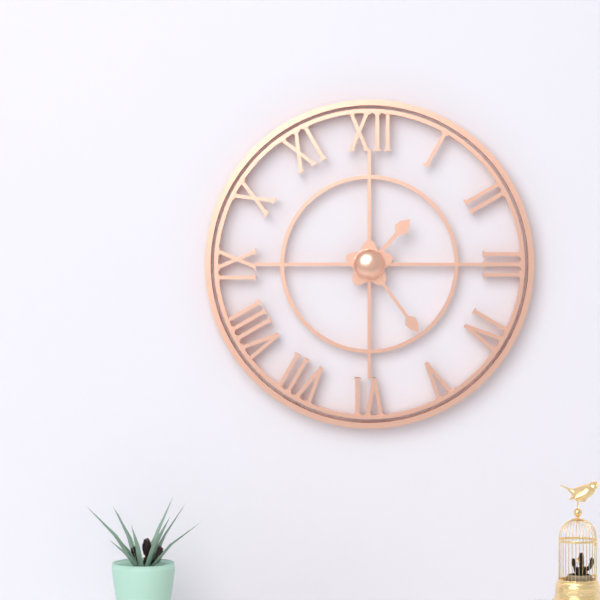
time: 1:24
